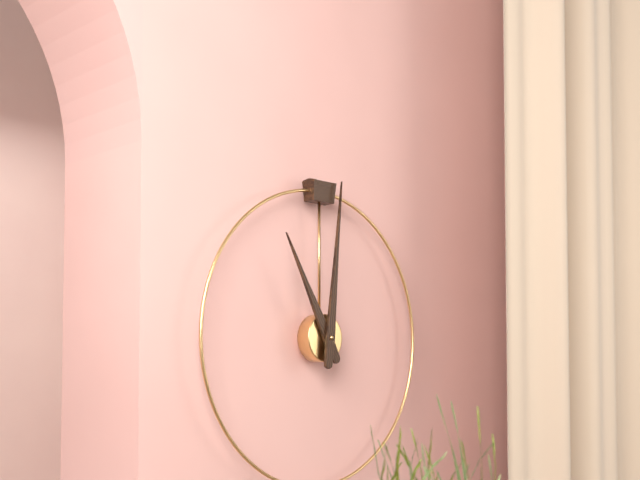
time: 11:01
